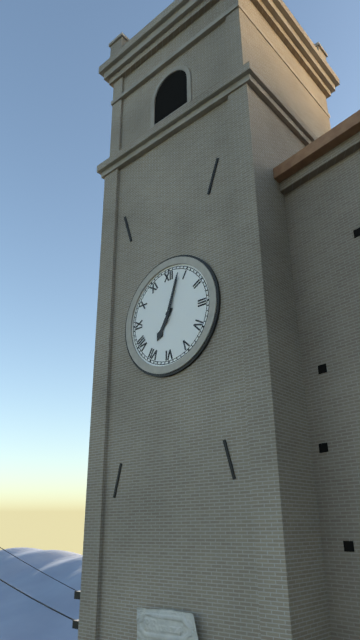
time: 7:03
